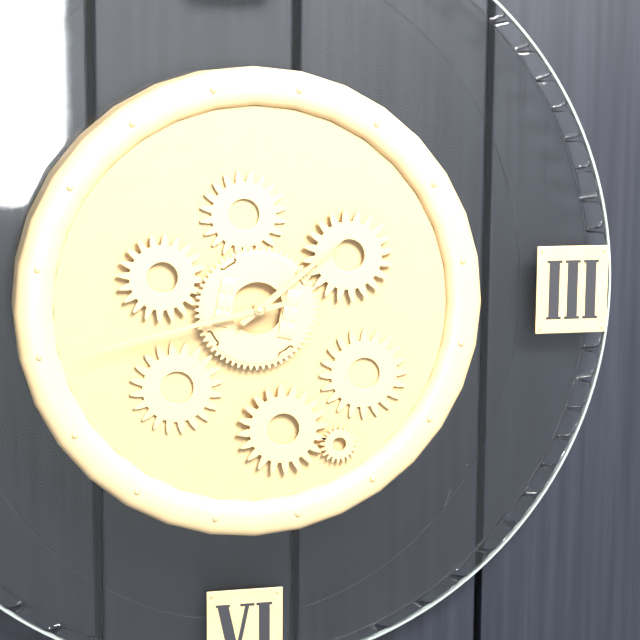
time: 1:43
